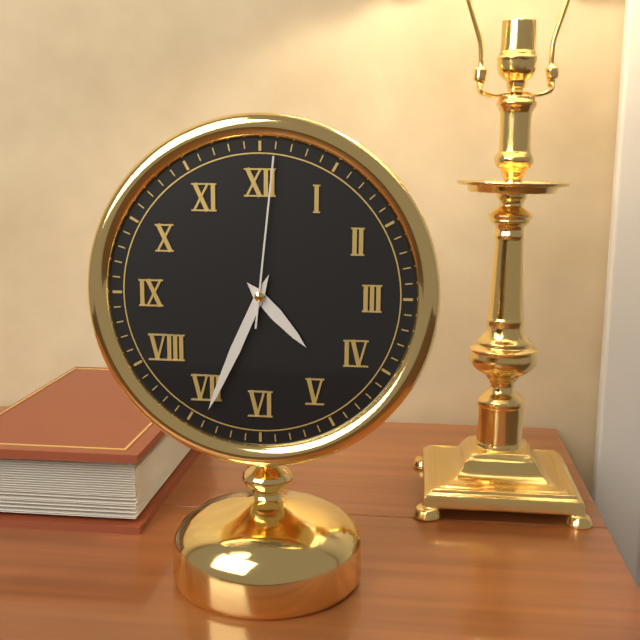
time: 4:34:01
